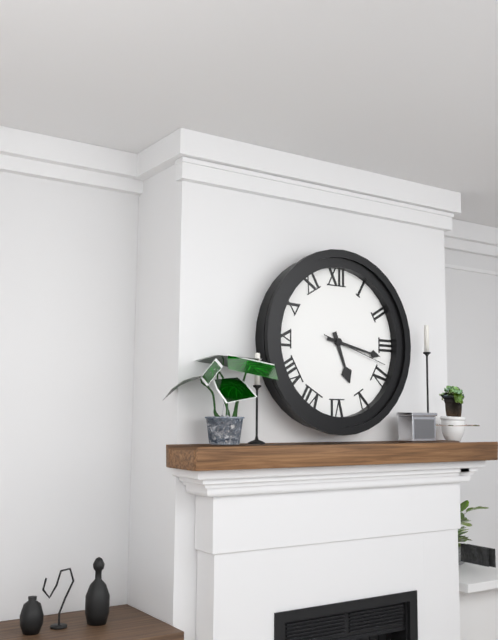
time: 5:17:18
